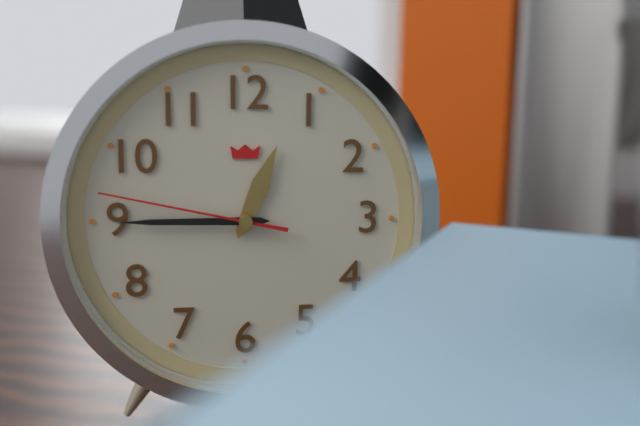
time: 12:45:47
